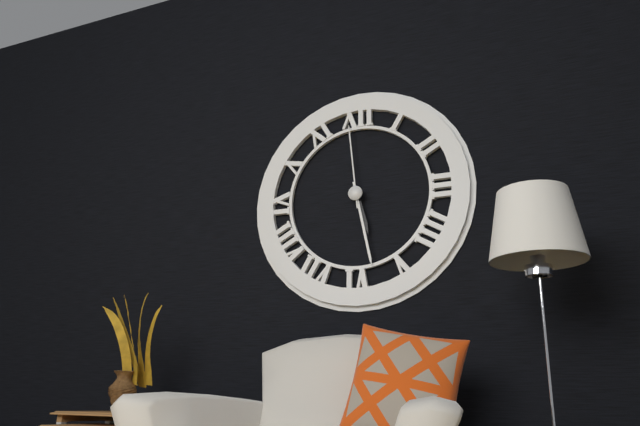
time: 5:28:59
